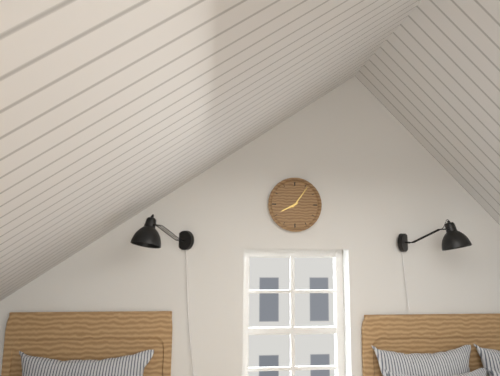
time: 8:06
